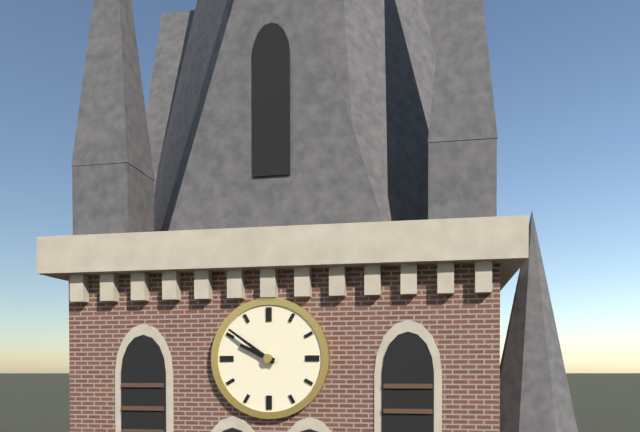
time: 9:51
